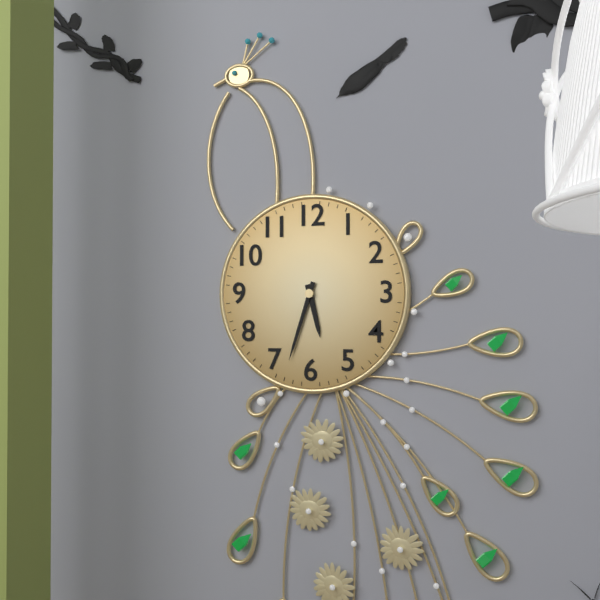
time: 5:33
